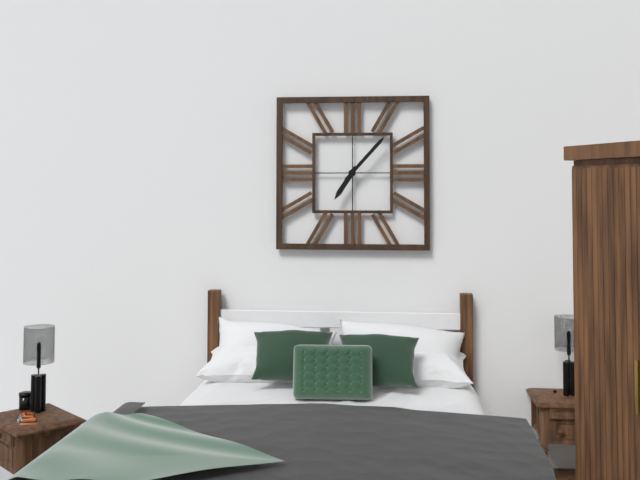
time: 7:07
